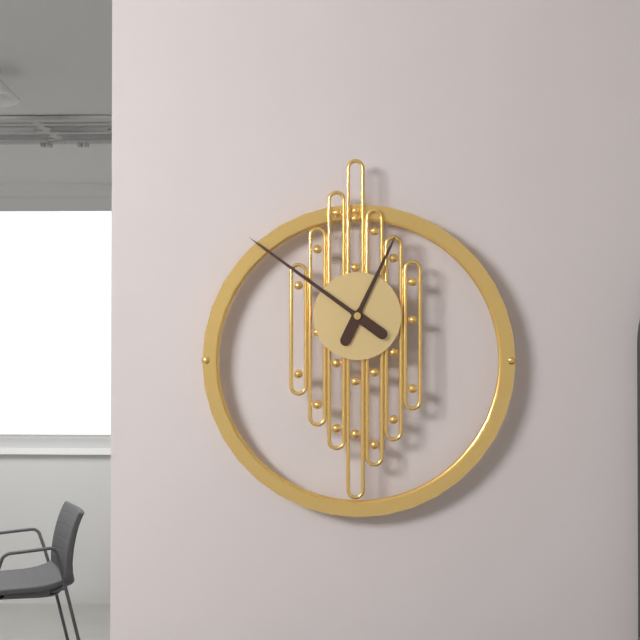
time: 12:51
